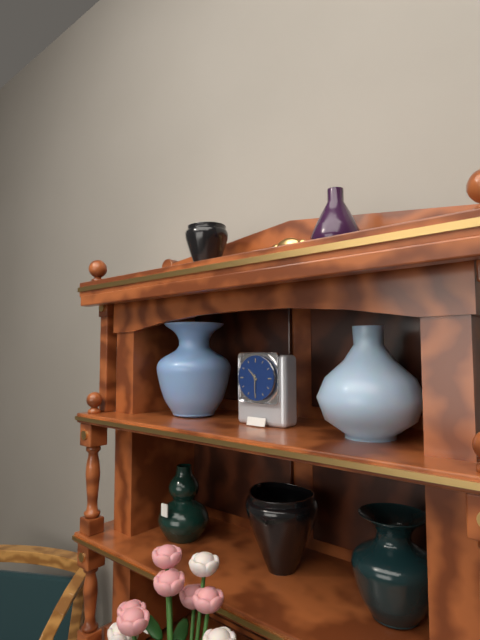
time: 10:30
